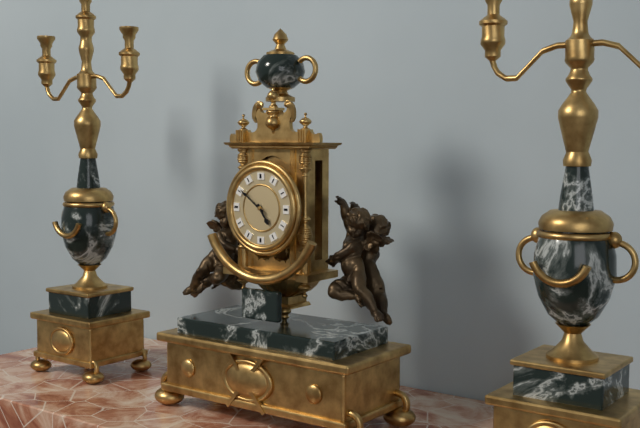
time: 4:51
